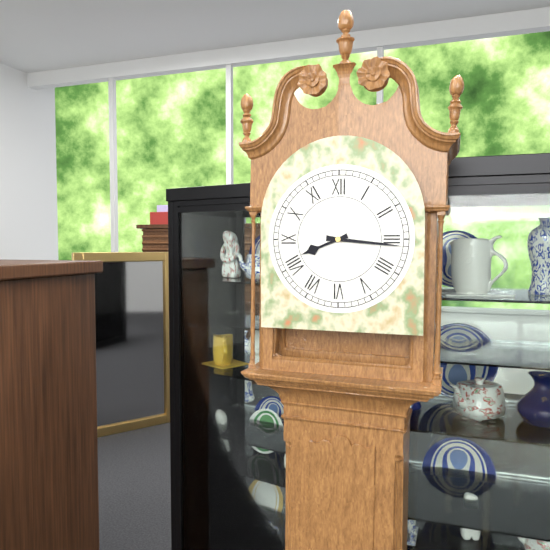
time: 8:16
